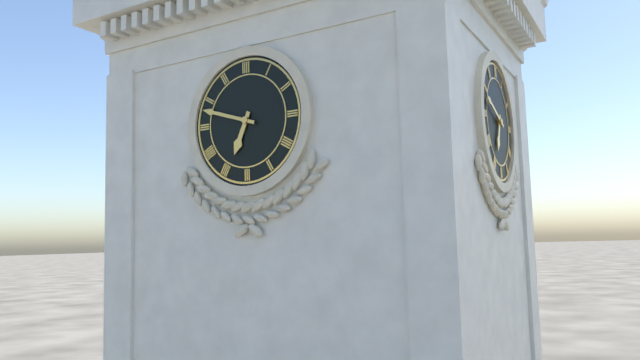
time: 6:48
